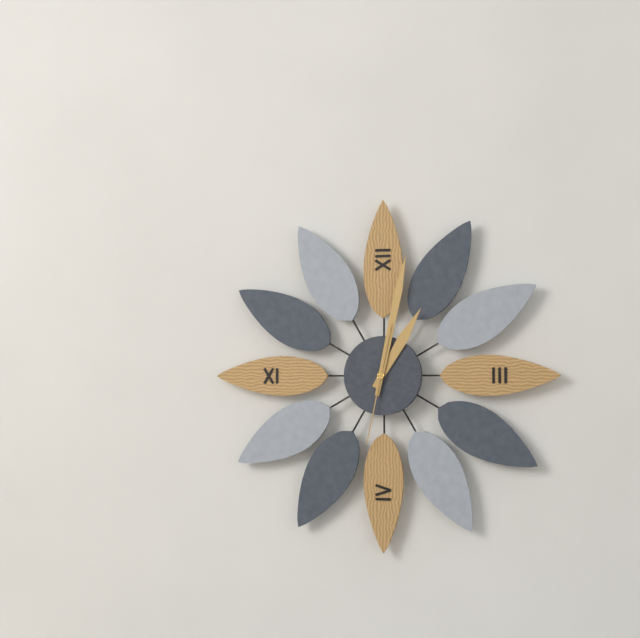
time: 1:02:32
